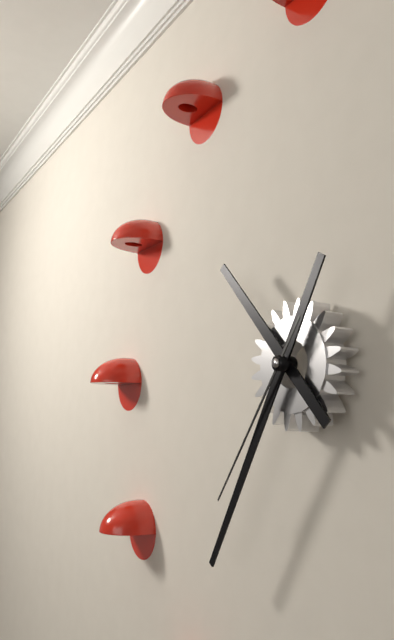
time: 10:35:36
